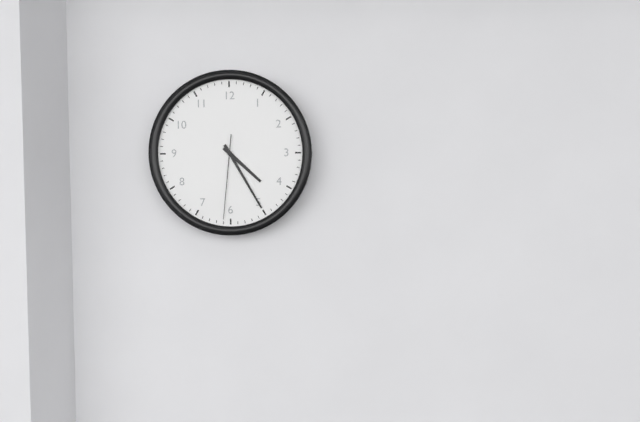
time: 4:25:31
